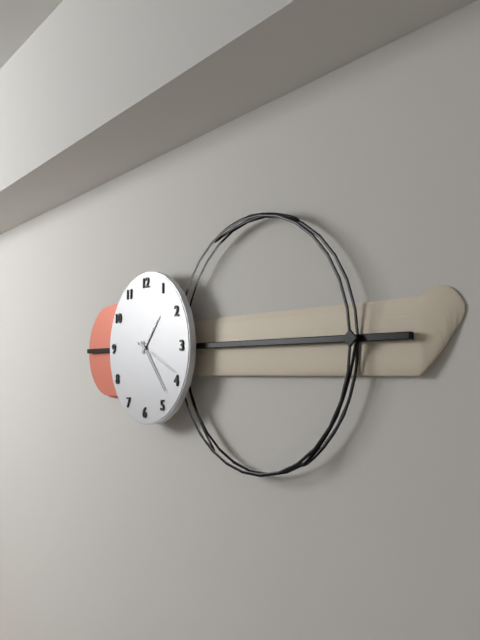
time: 1:23
